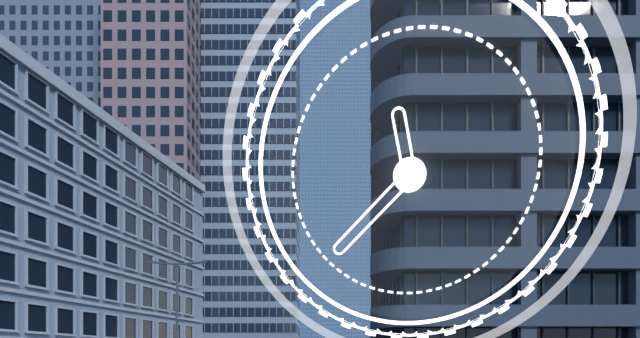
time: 11:38
